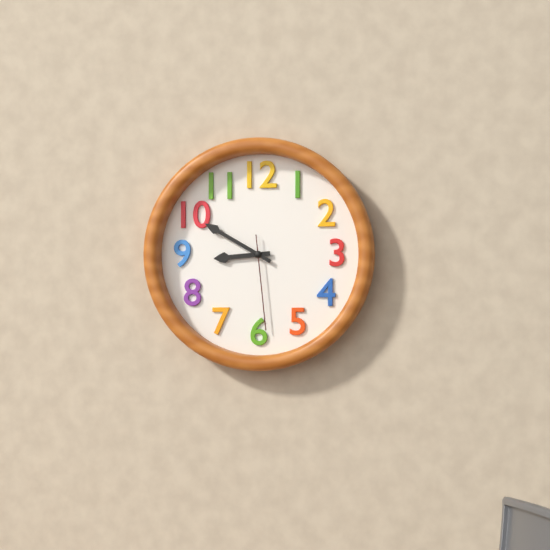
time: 8:50:29
